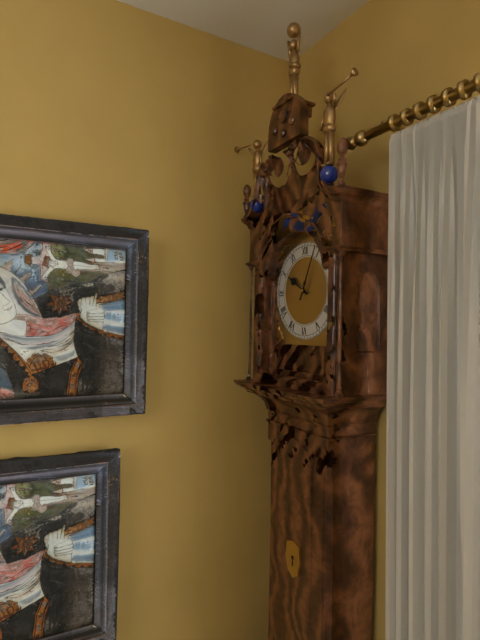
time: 10:04
